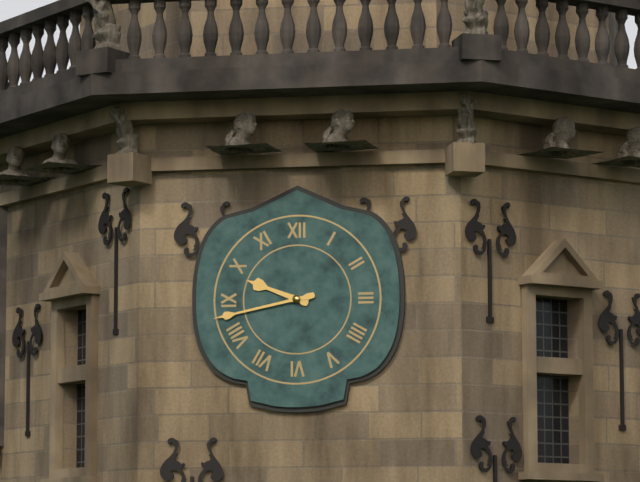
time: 9:43
